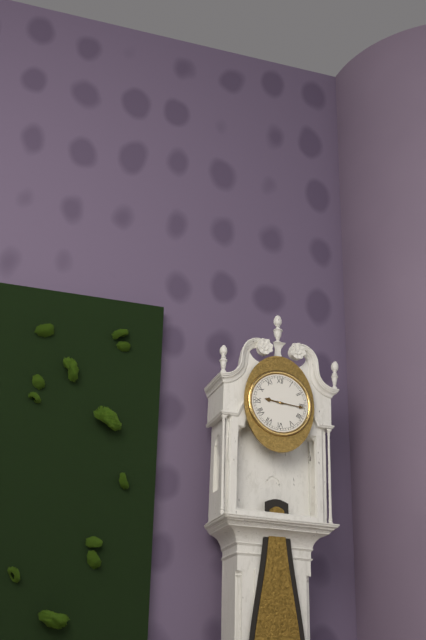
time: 9:16
